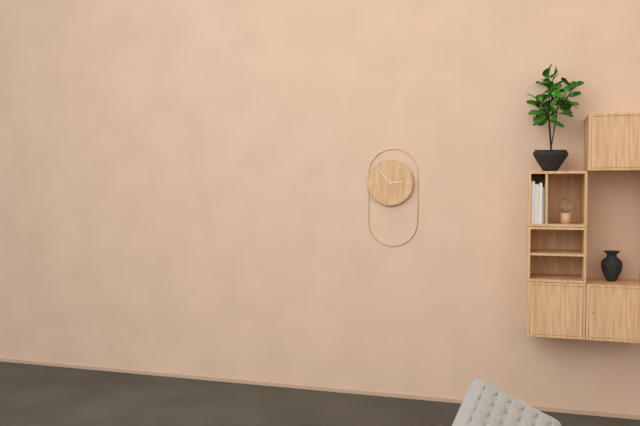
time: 2:53
